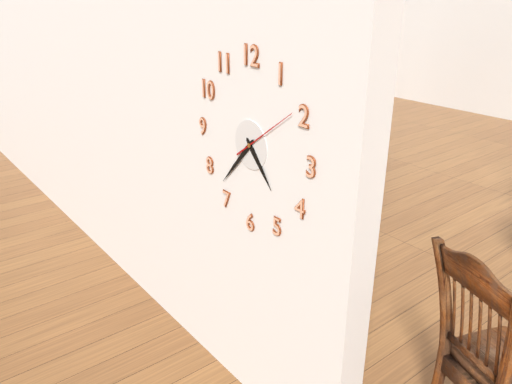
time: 4:37:09
